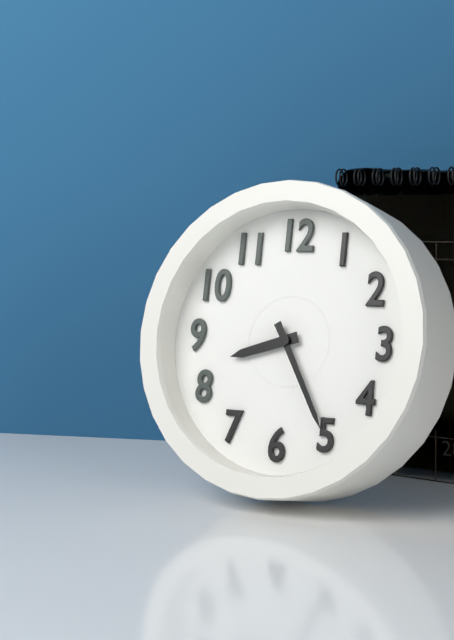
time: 8:25
